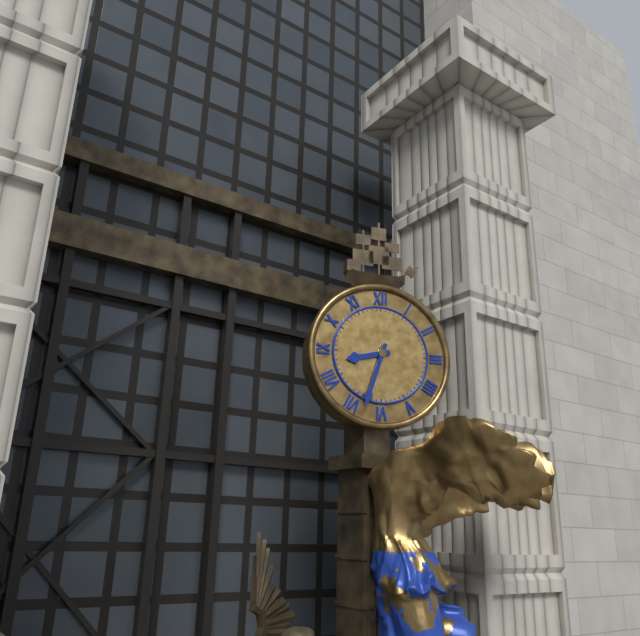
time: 8:33
